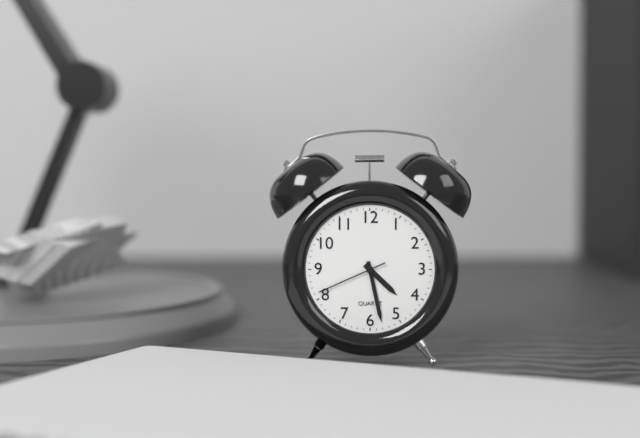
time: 4:28:41
